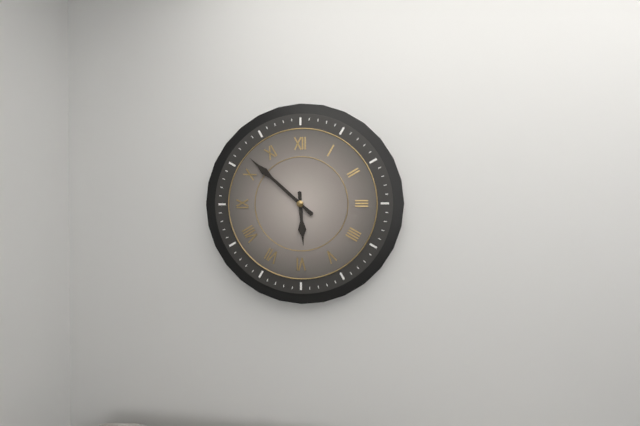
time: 5:52
